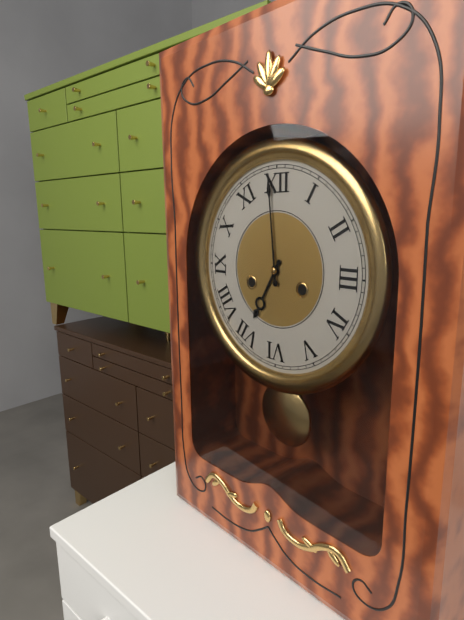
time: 6:59
